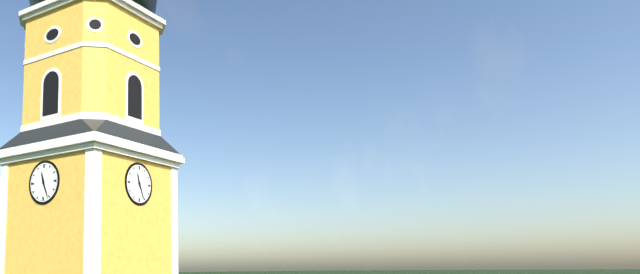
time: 11:26
